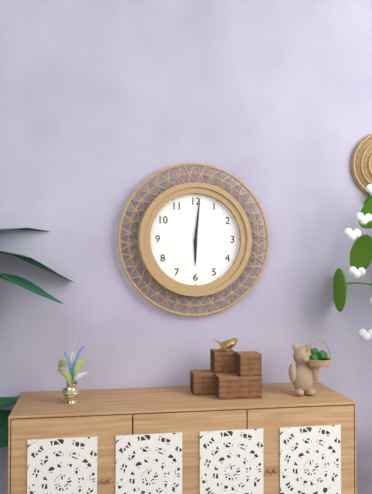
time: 6:01
